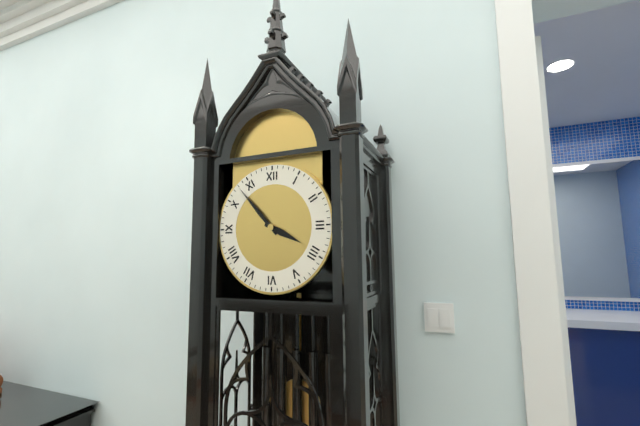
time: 3:53
